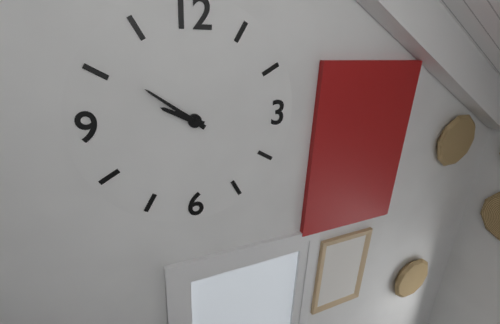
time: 9:51
